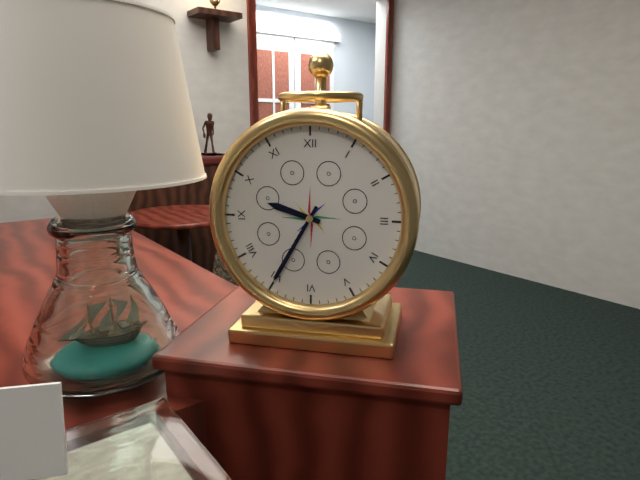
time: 9:35
